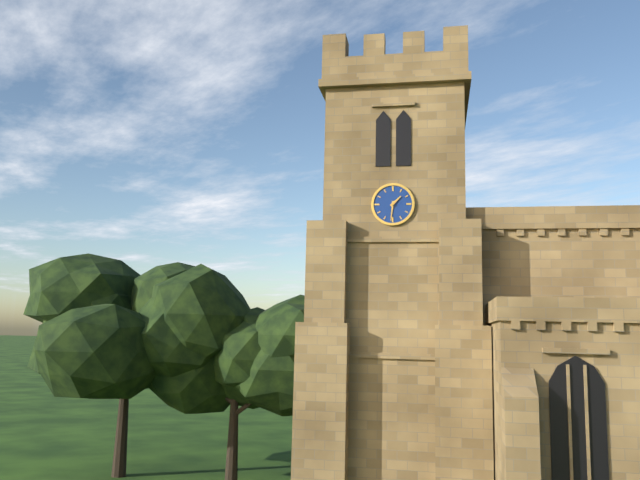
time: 1:31
